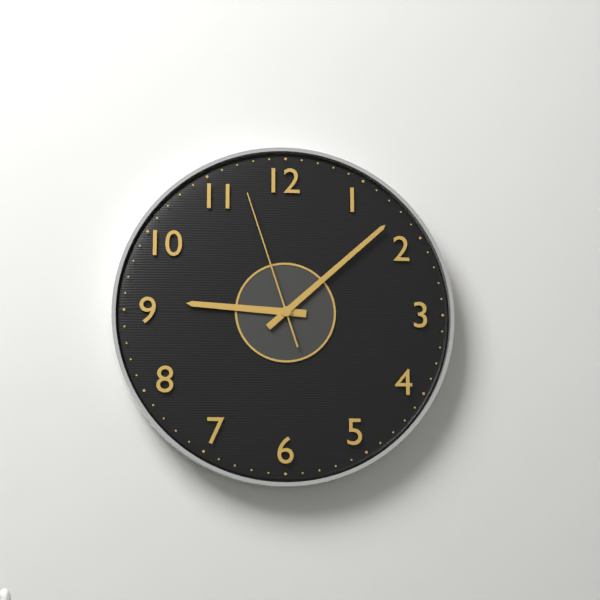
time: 9:08:57
